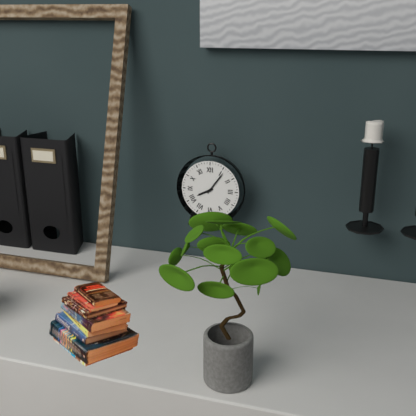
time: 8:06
